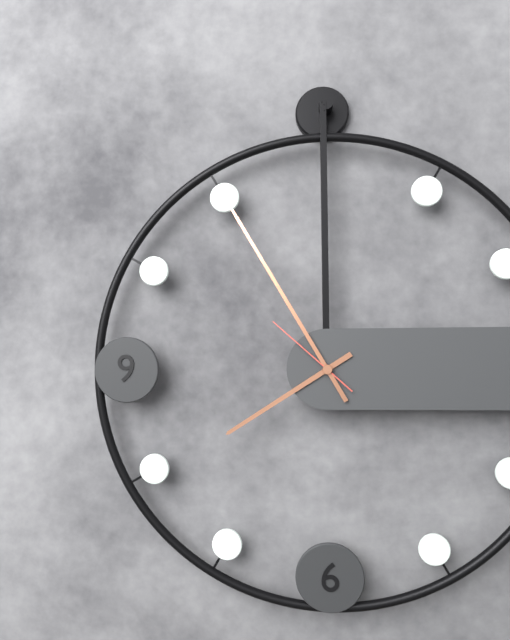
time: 7:55:52
